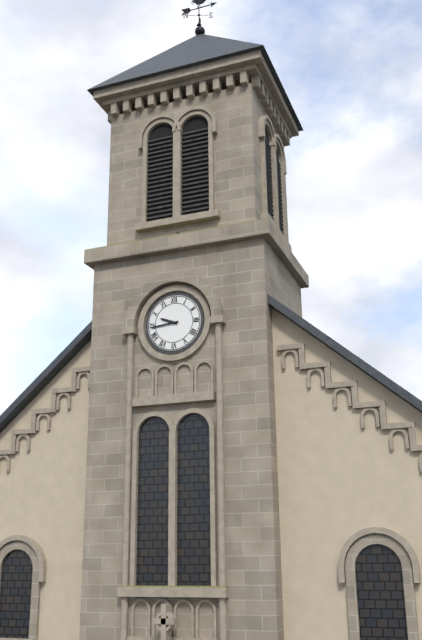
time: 9:44
